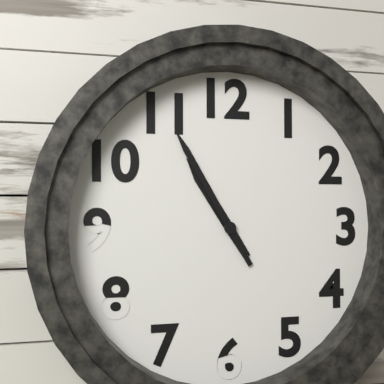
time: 10:55
